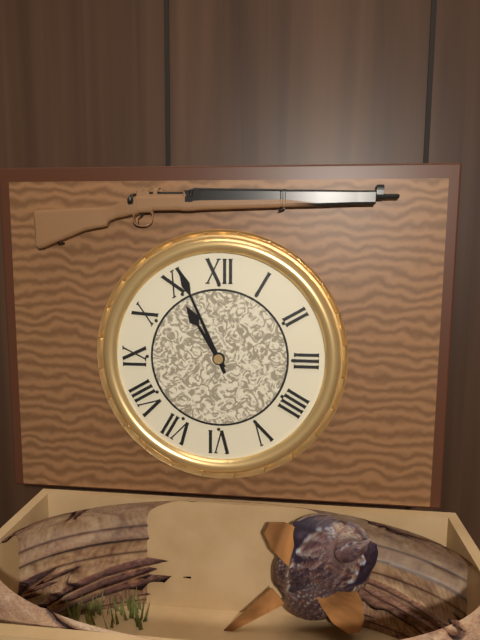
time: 10:56
